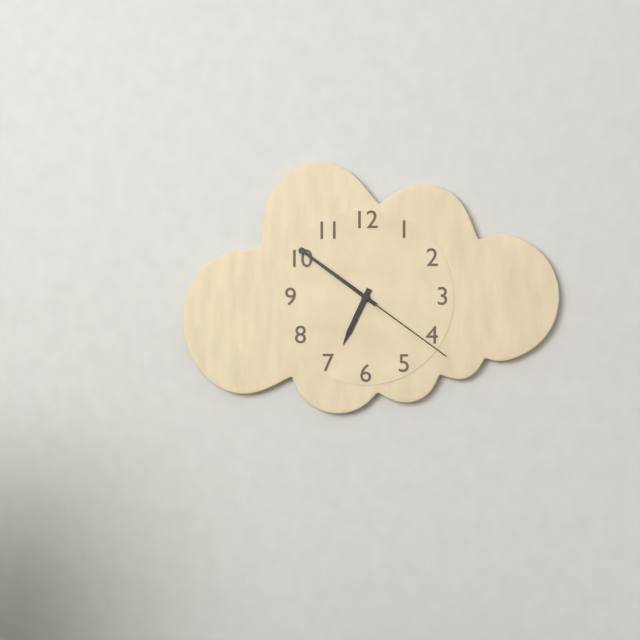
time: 6:51:21
